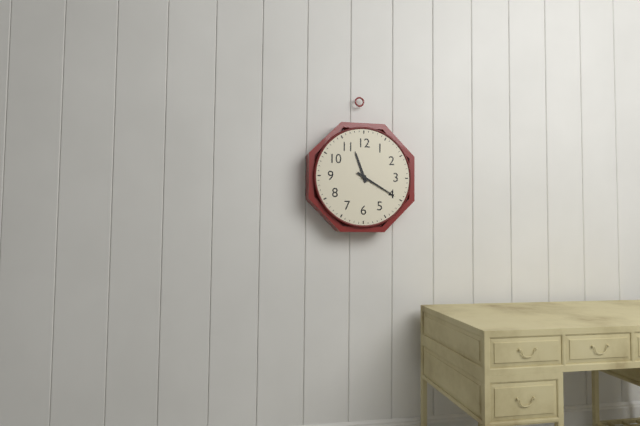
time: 11:20
